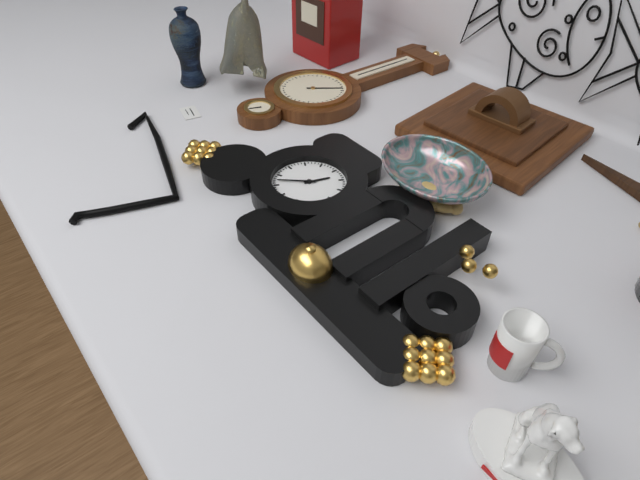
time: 12:37
